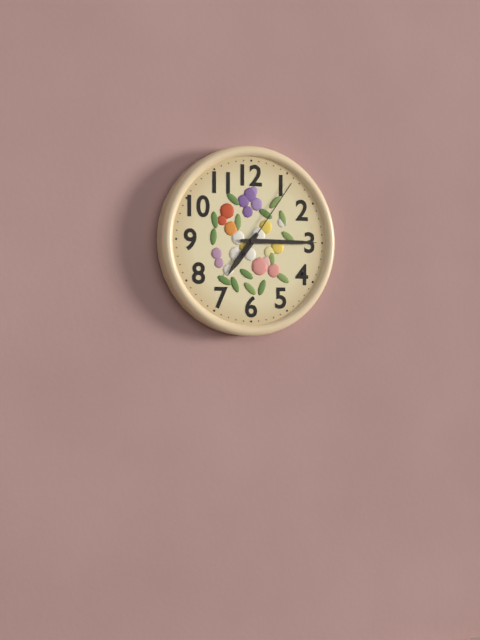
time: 7:15:06
